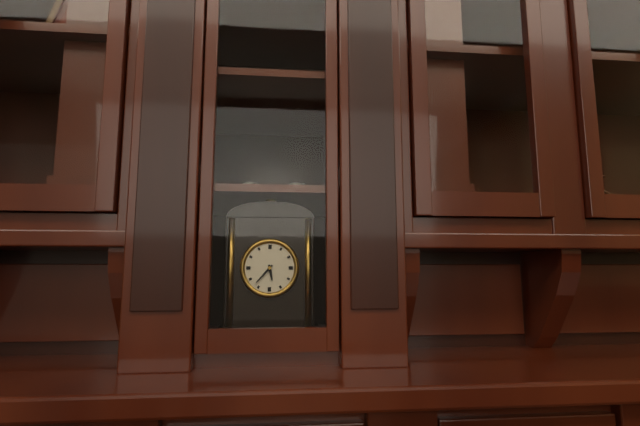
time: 5:37
